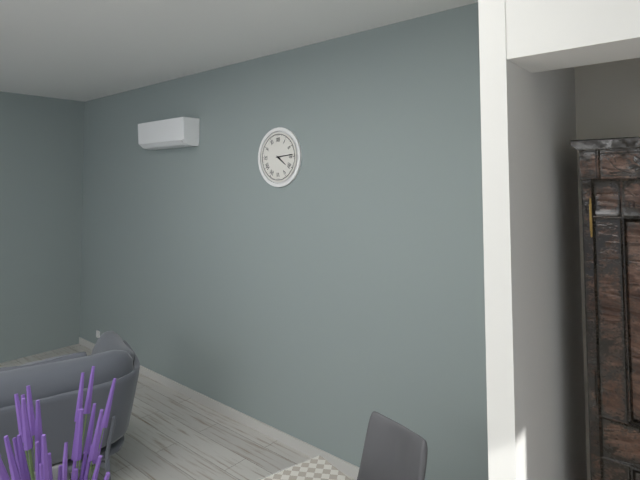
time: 4:14
